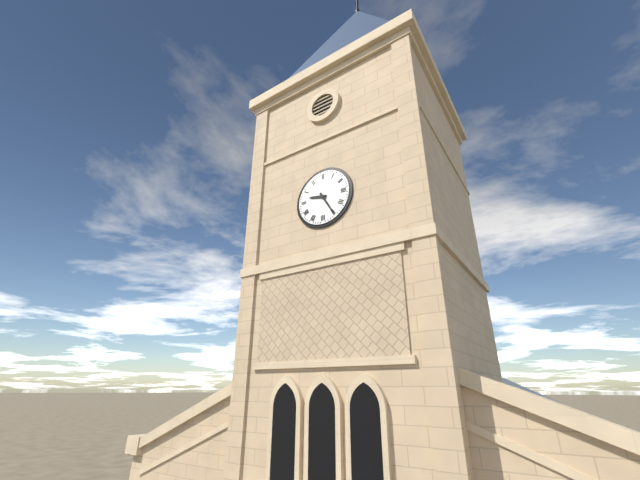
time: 9:25
